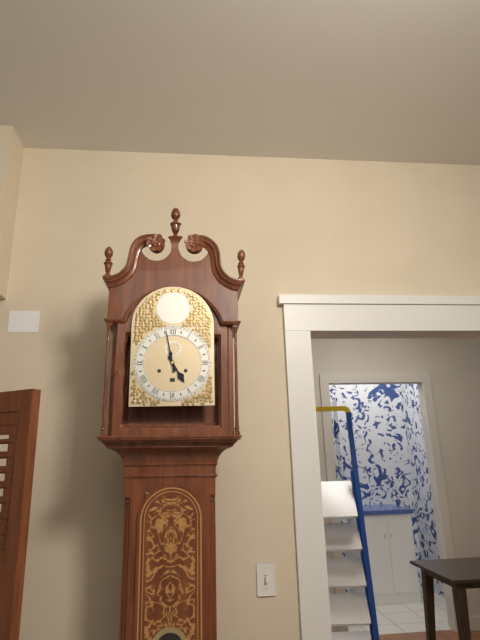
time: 4:58
